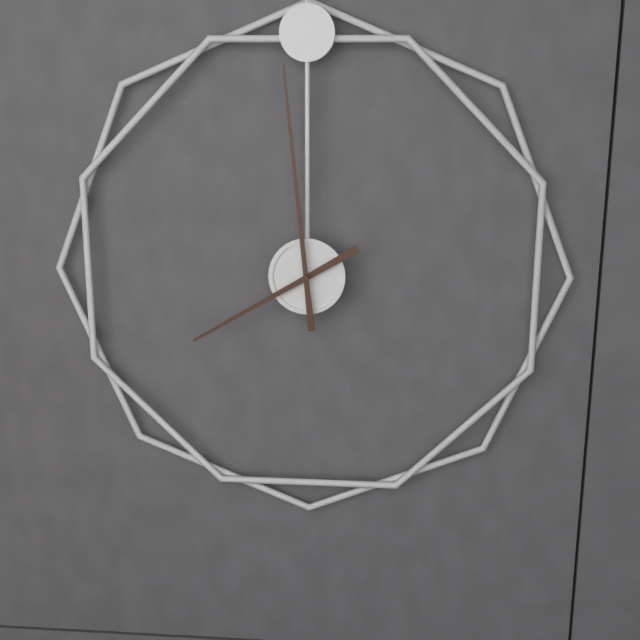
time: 7:59
